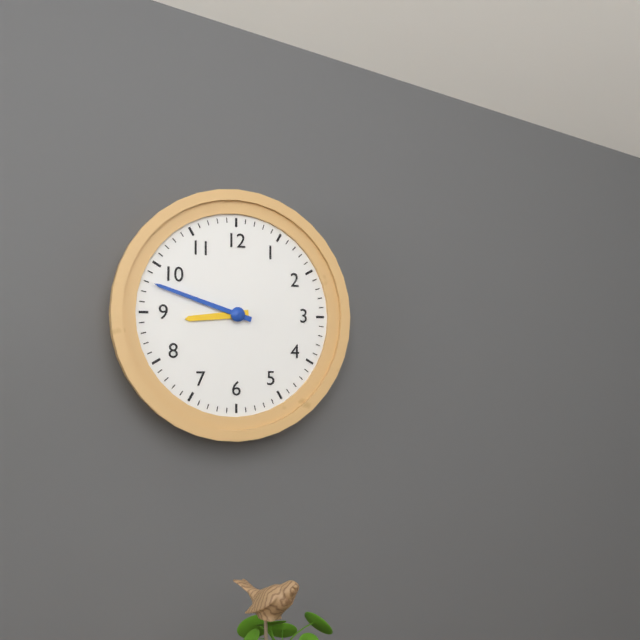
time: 8:48
